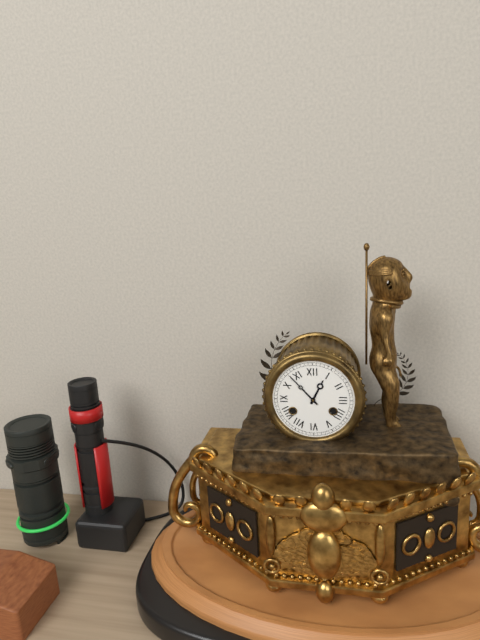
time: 12:53
